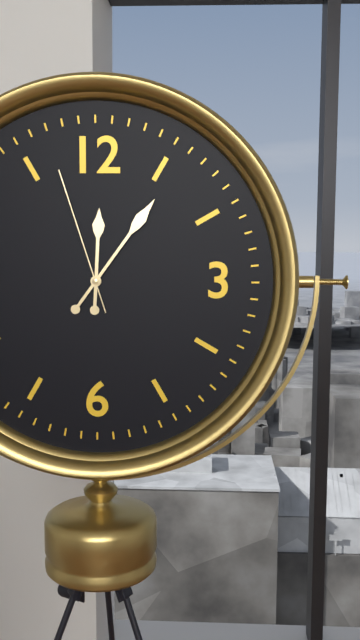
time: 12:06:57
